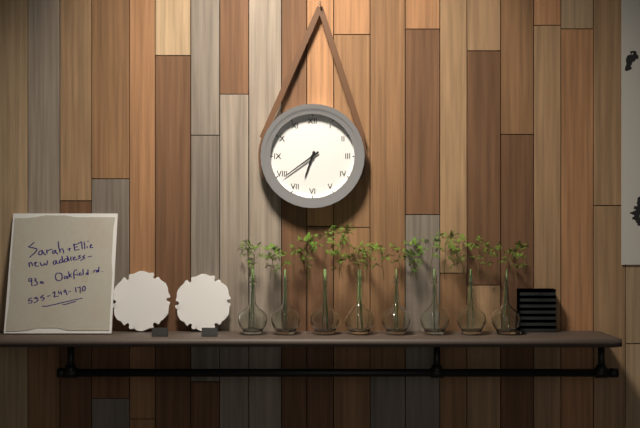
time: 6:39
